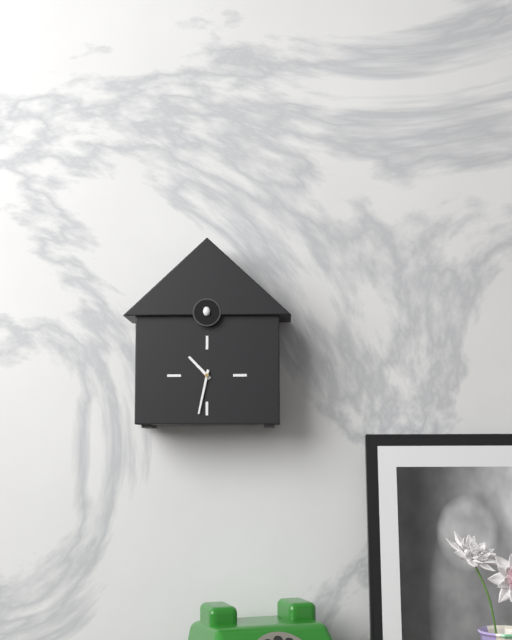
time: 10:32
